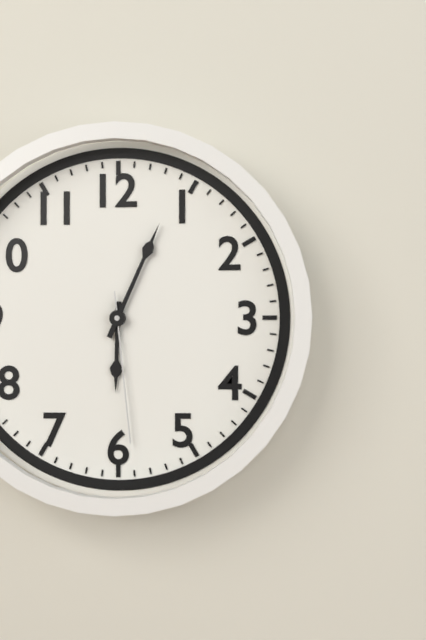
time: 6:04:29
